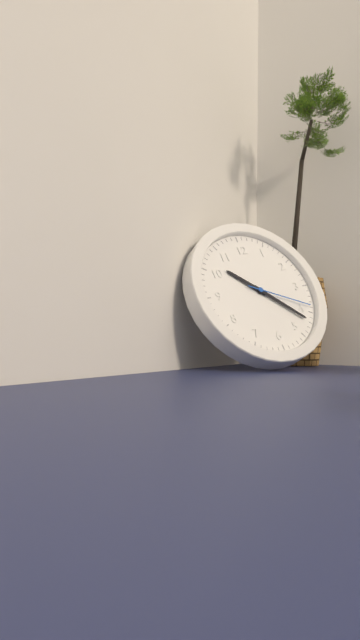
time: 10:22:19
